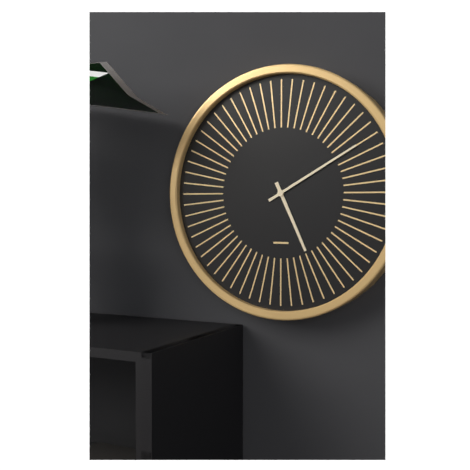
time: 5:10
